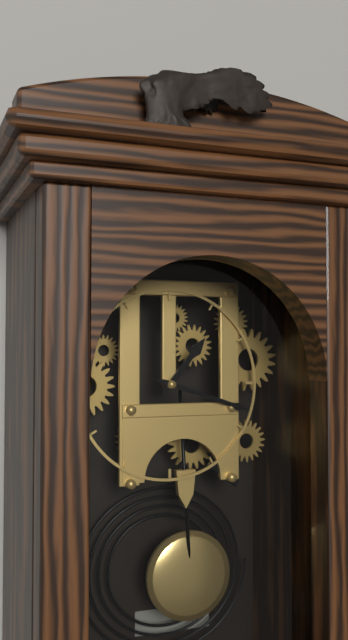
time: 1:18
